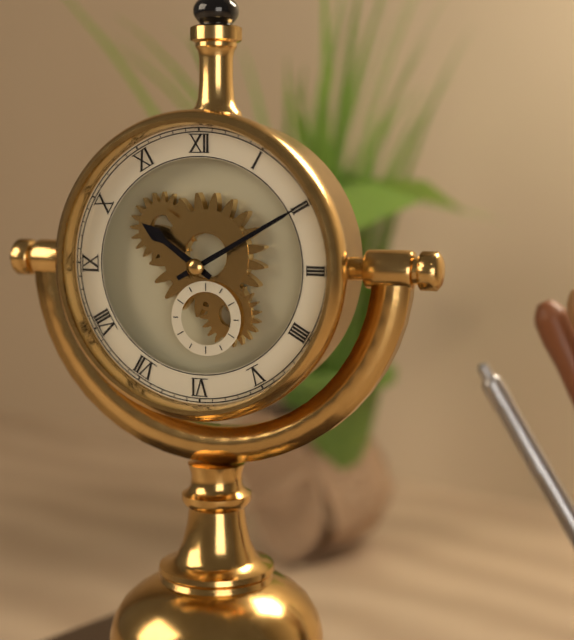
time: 10:10
